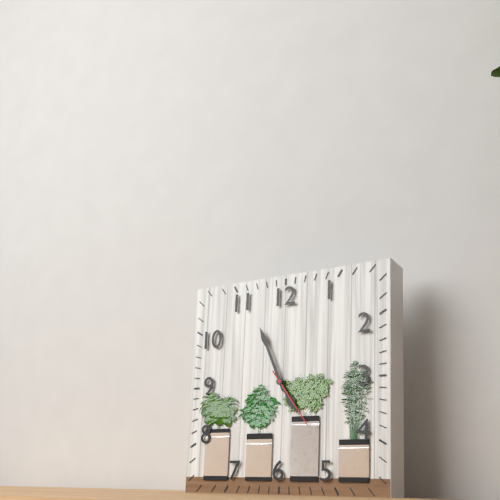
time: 4:56:24
